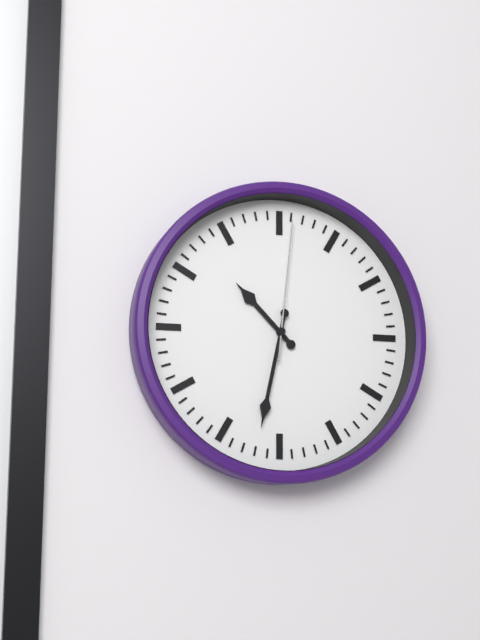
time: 10:32:01
